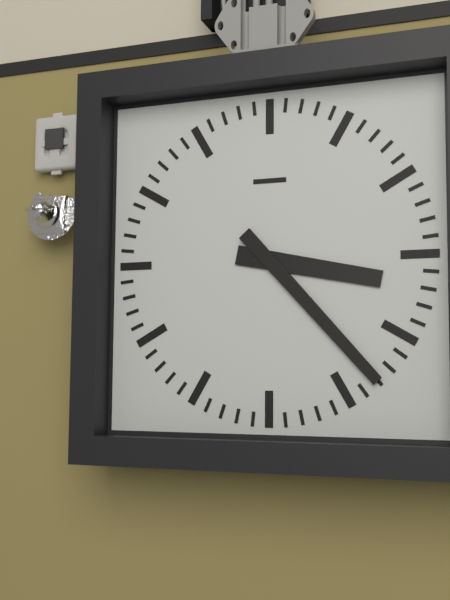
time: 3:23
